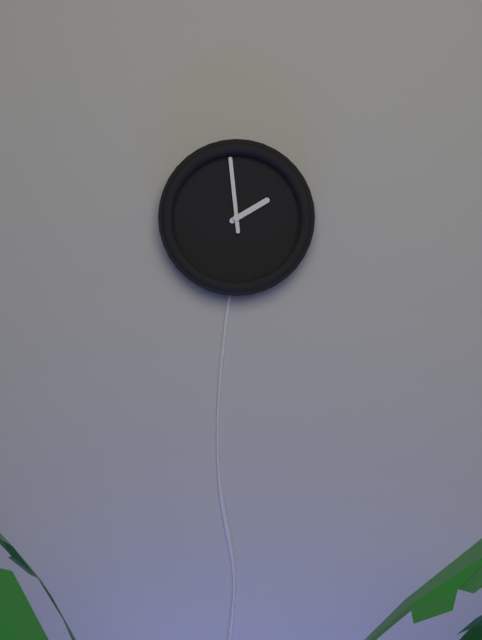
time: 1:59
